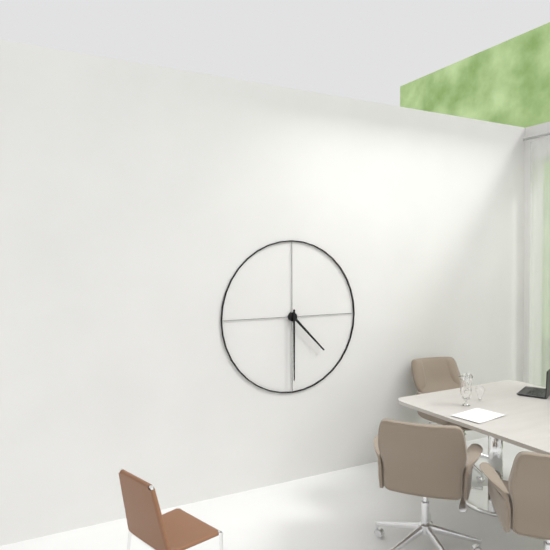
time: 4:30
